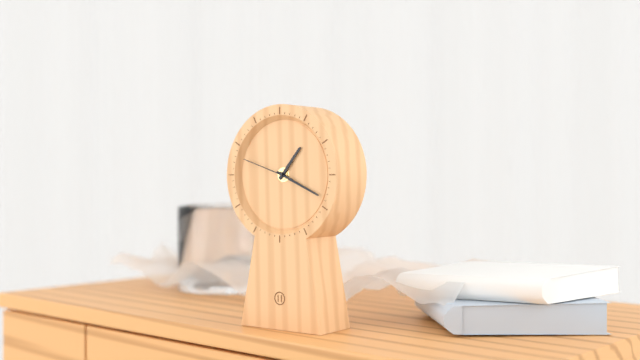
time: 1:19:48
